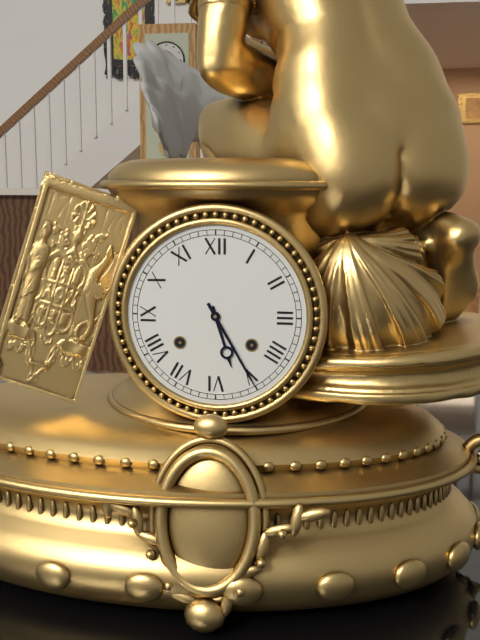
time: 5:25
